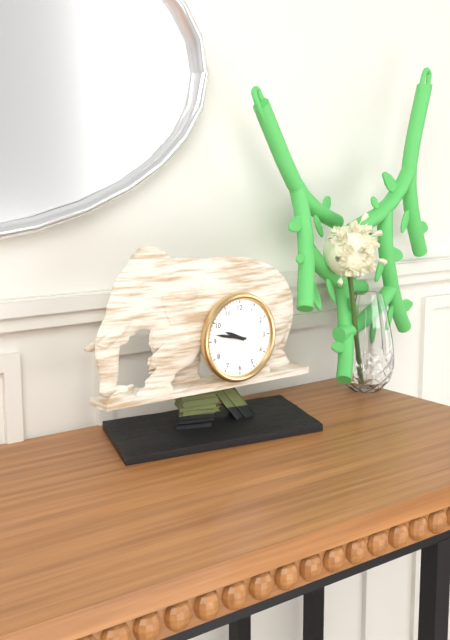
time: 9:47
